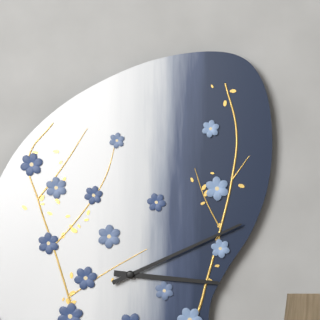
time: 3:11
